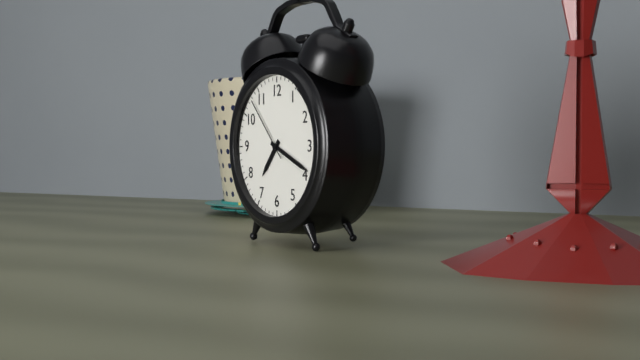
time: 7:19:53
